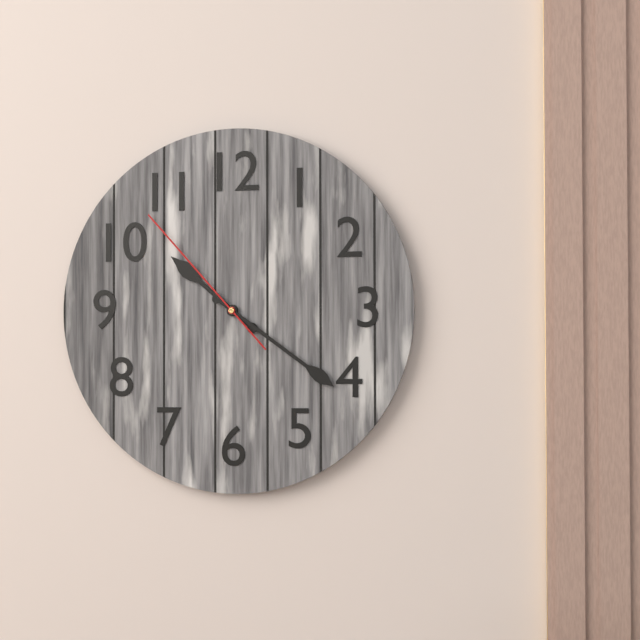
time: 10:21:53
